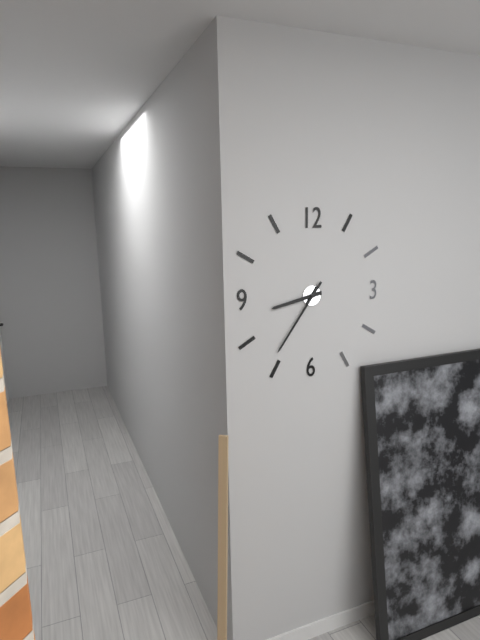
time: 8:36
